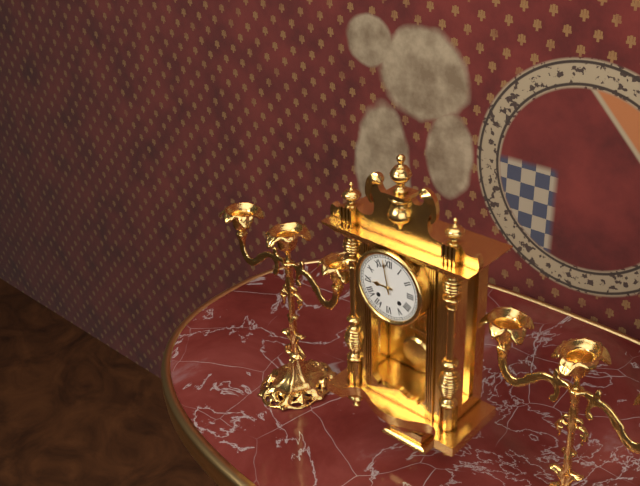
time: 8:58
